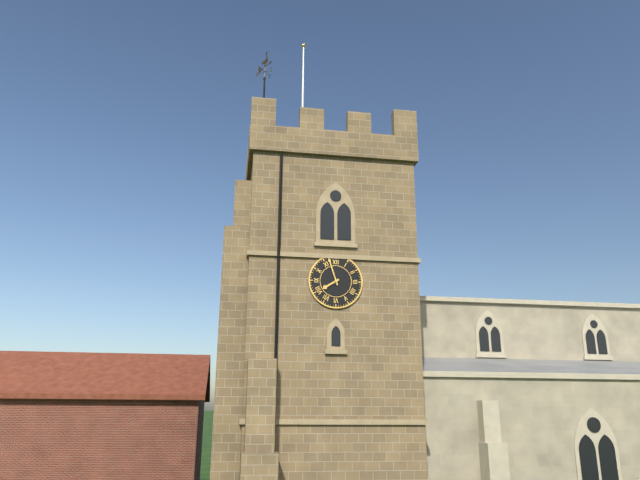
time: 7:57
